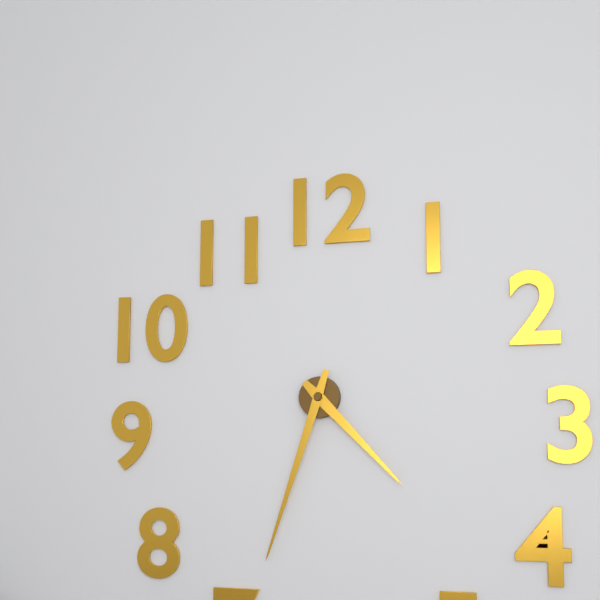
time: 4:33
